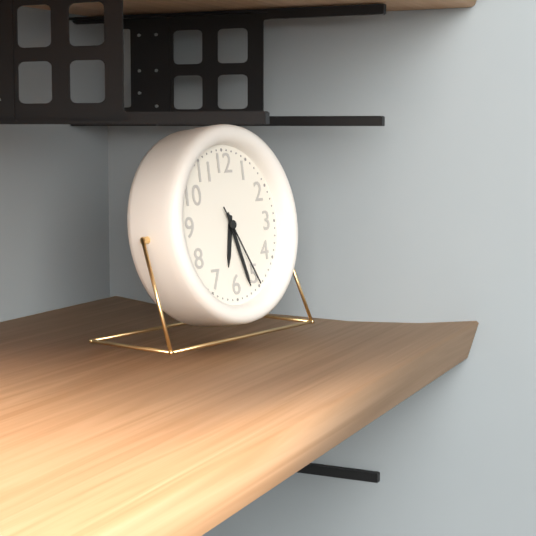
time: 6:27:25
